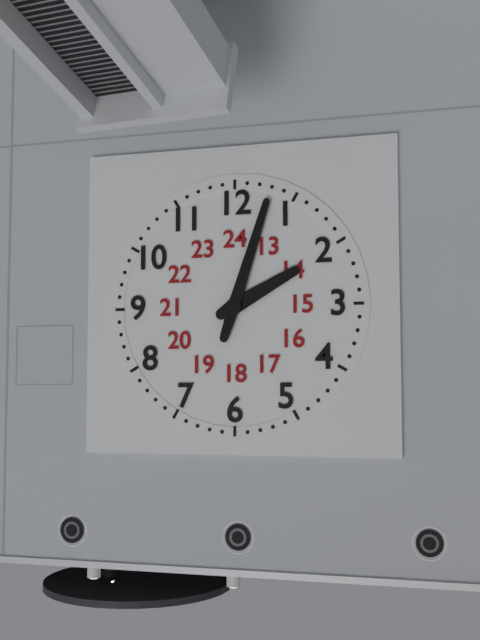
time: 2:03
